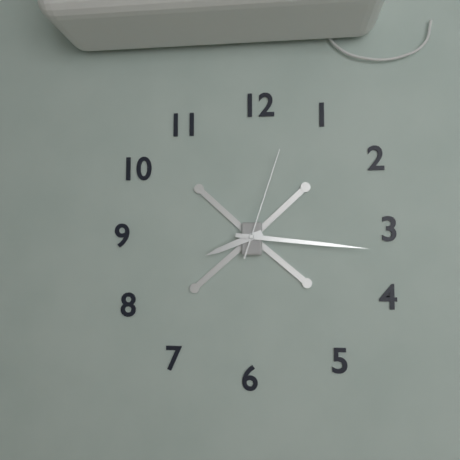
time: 8:16:03
